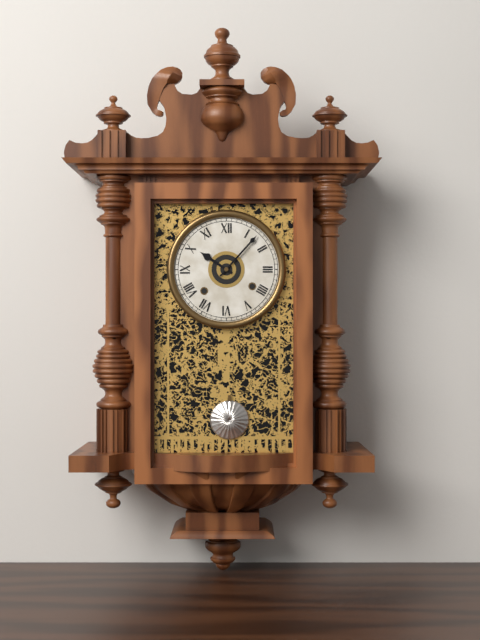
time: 10:07
